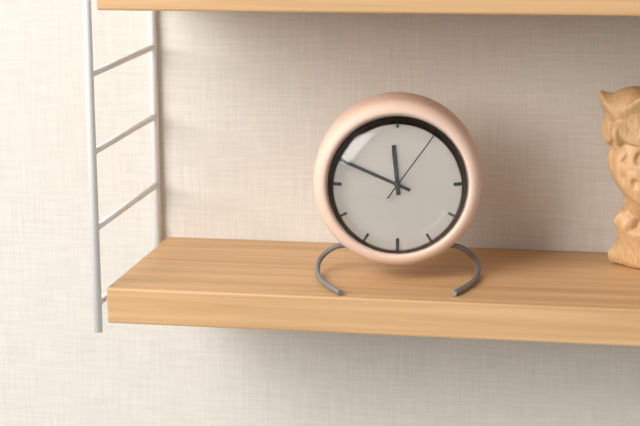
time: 11:49:06
